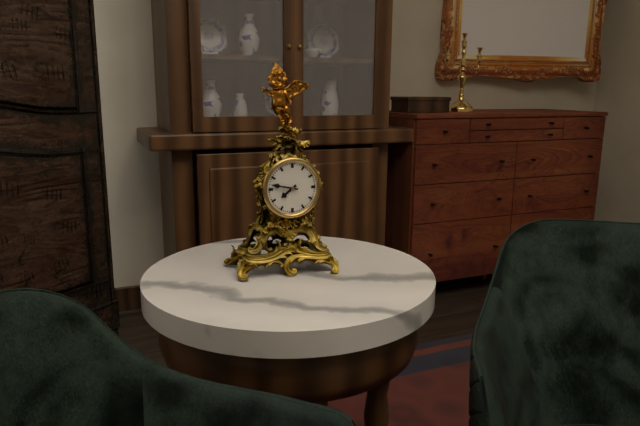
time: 7:47
